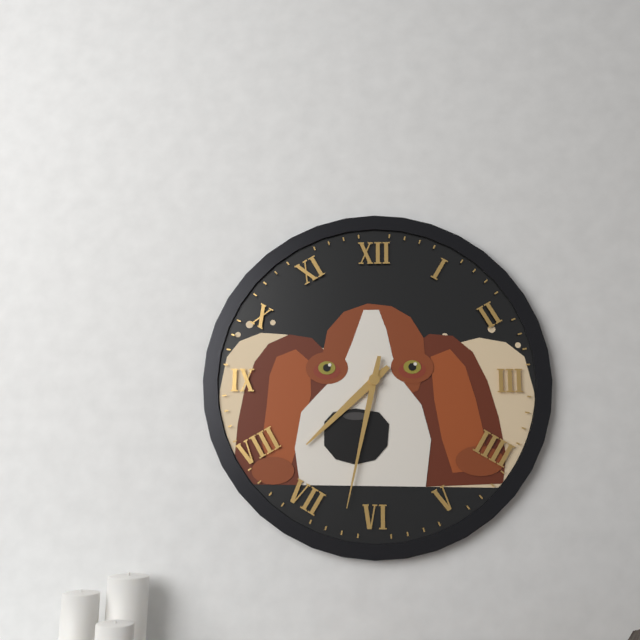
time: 7:32
